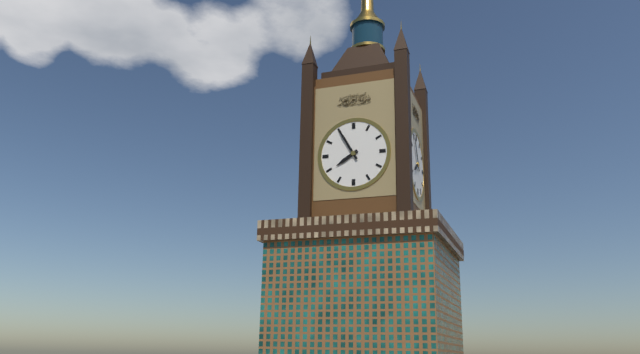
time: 7:55
